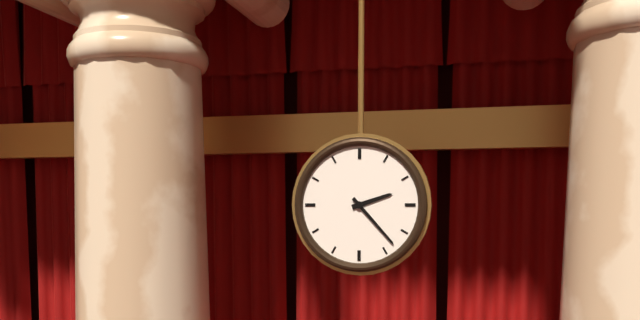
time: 2:23
